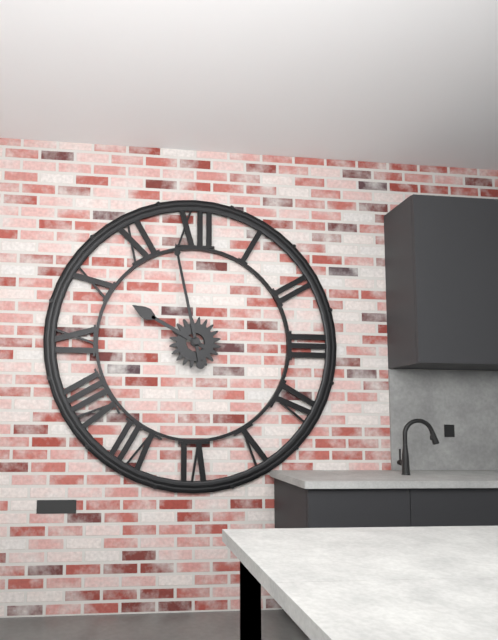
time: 9:58
